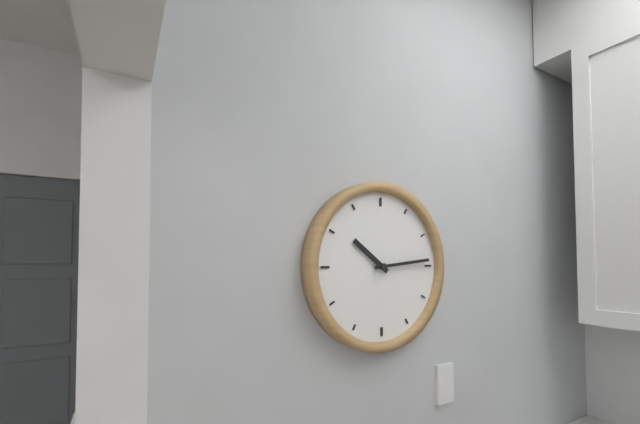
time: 10:14
